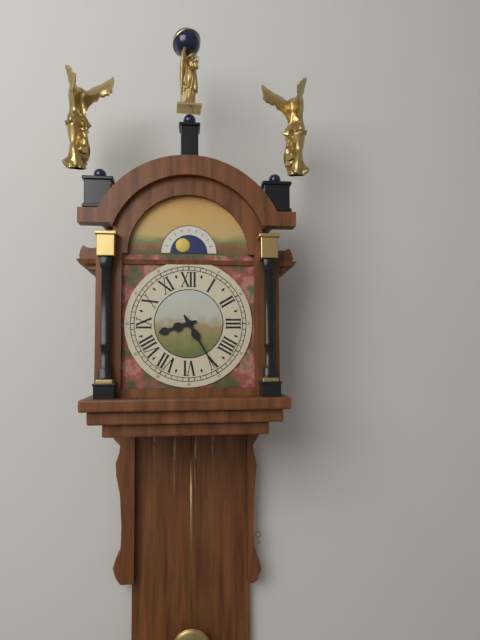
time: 8:25
